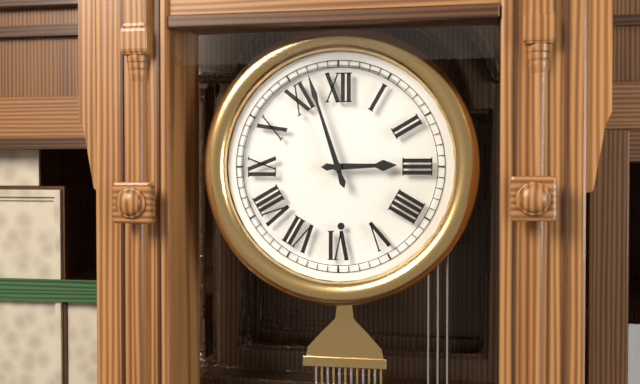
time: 2:57
